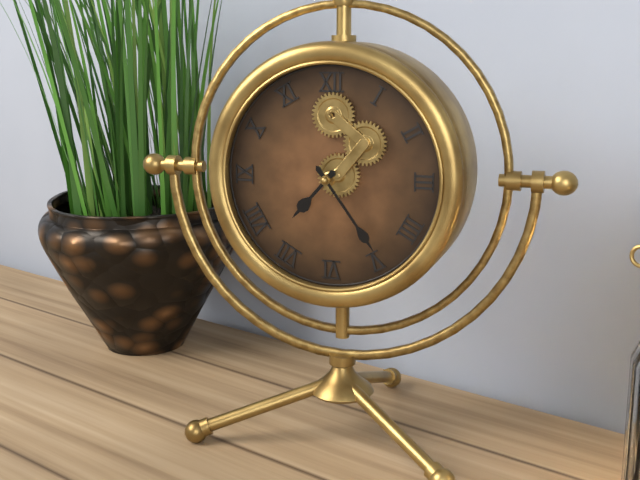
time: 7:24
